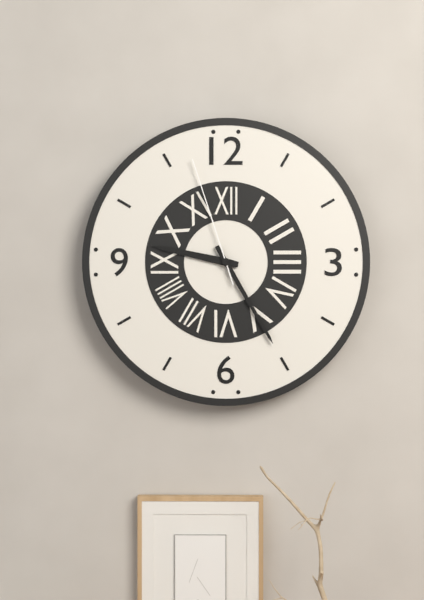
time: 9:25:57
